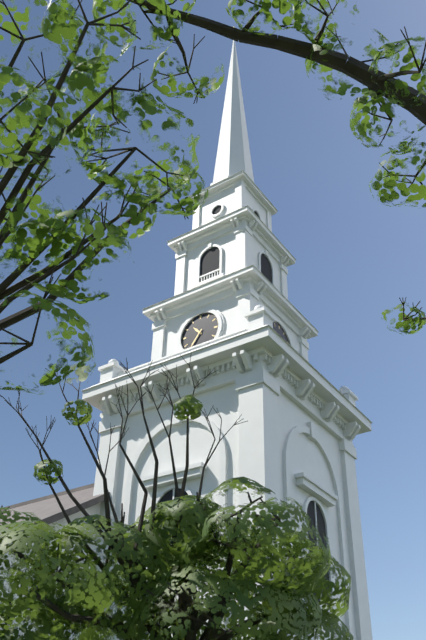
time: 10:36
